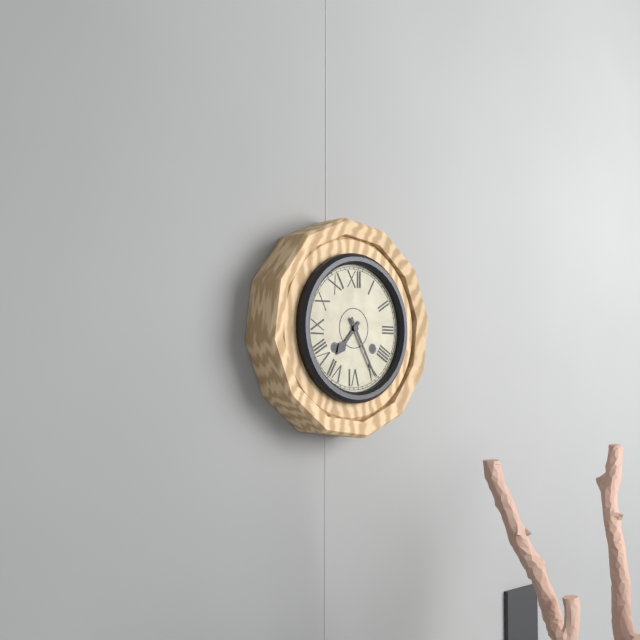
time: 7:25
